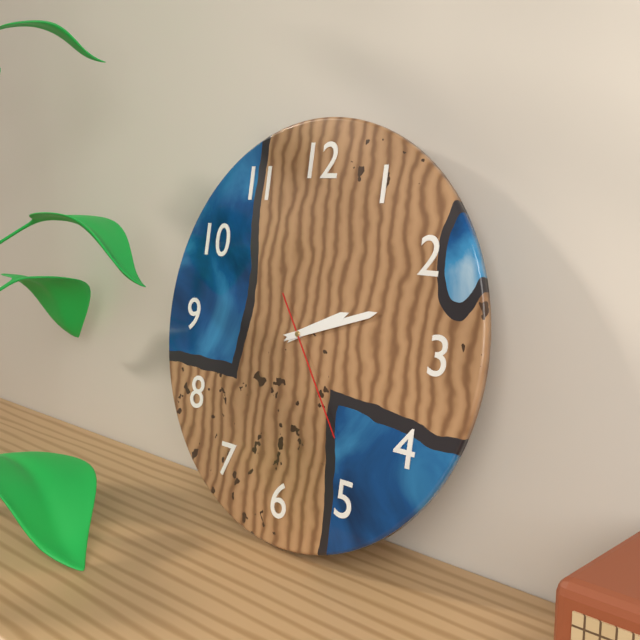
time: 2:12:24
